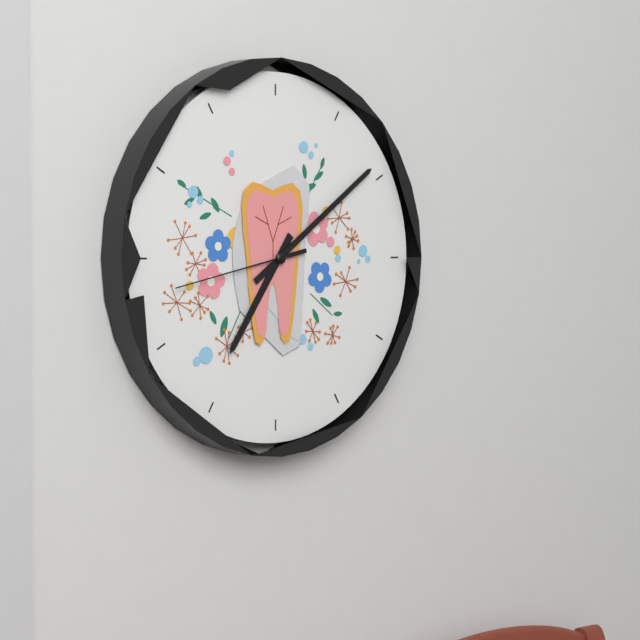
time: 7:09:43
